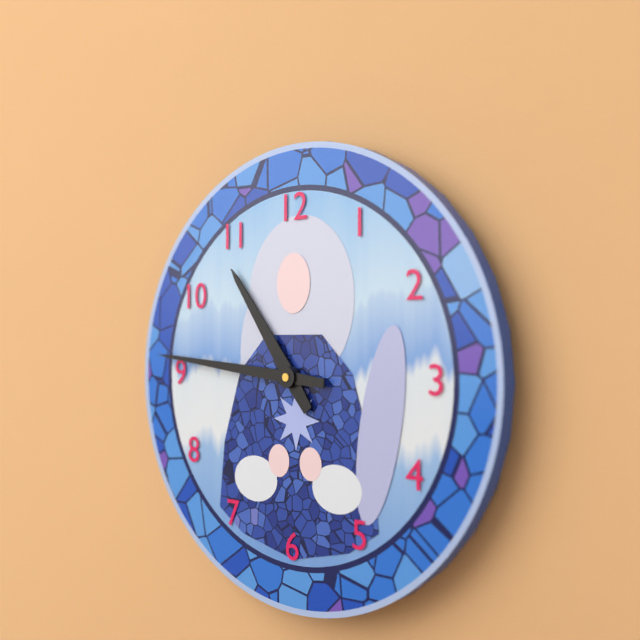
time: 10:46
